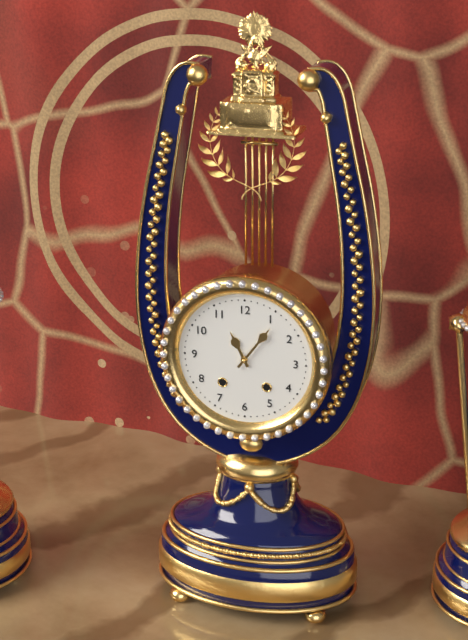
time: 11:06
